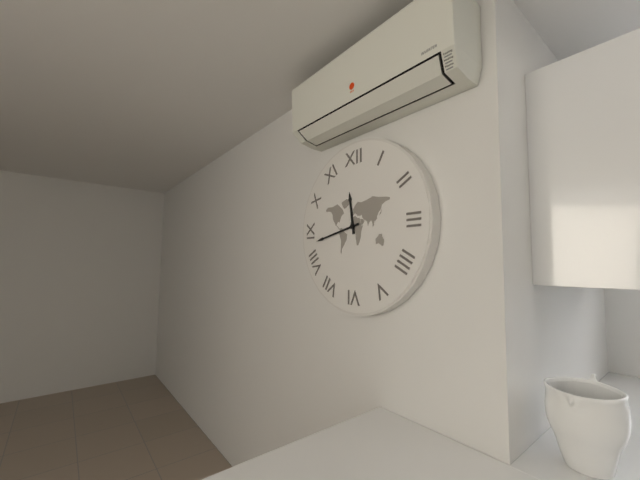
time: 11:43
